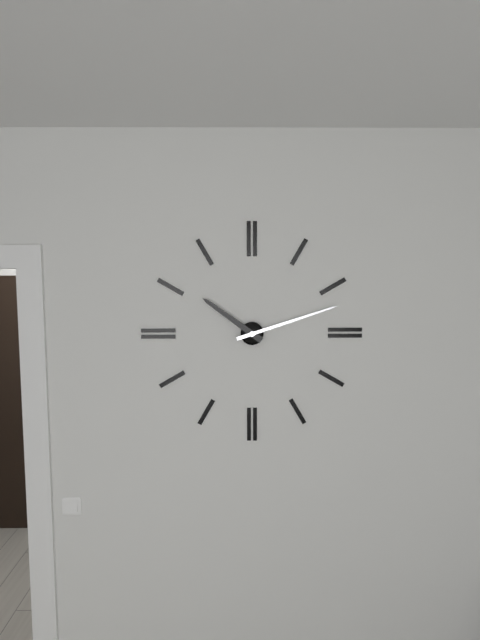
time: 10:12
